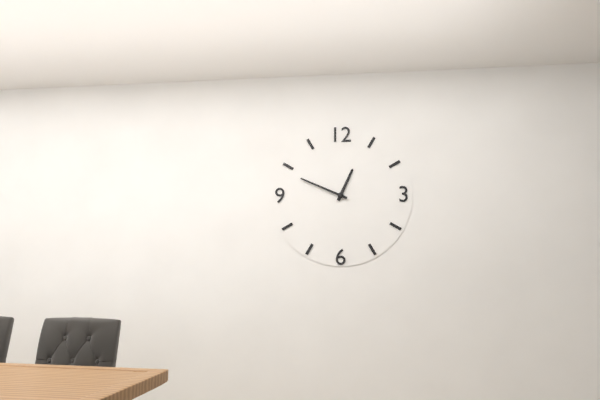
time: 12:49
